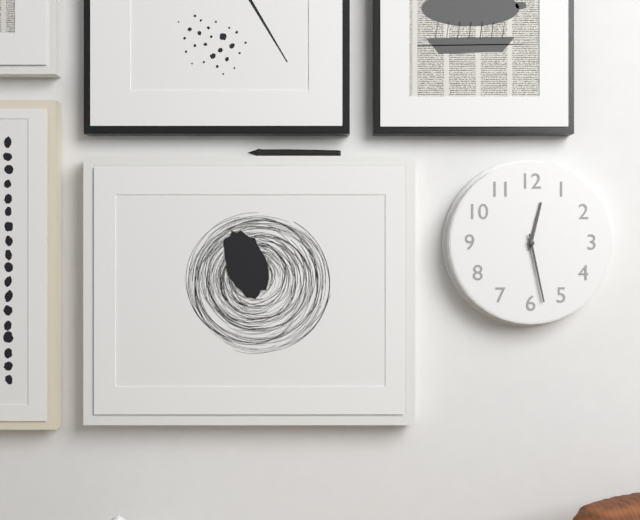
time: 12:28
